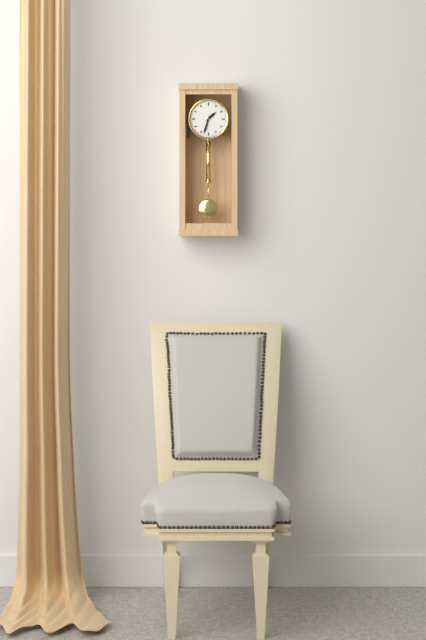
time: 1:33
